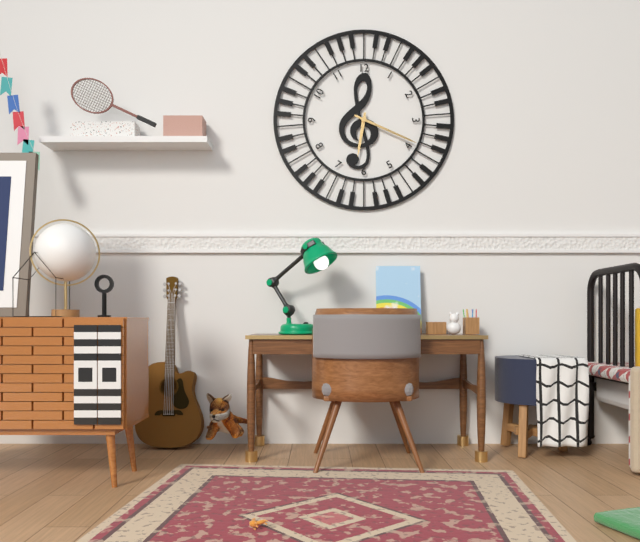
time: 6:19
